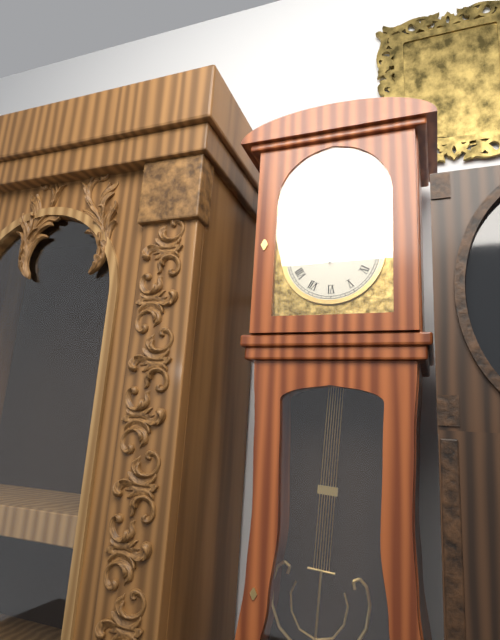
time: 3:02
